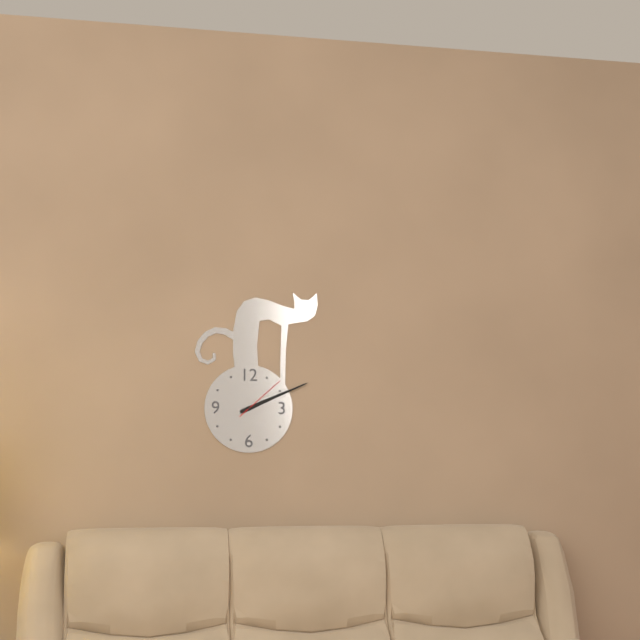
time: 2:11:08
